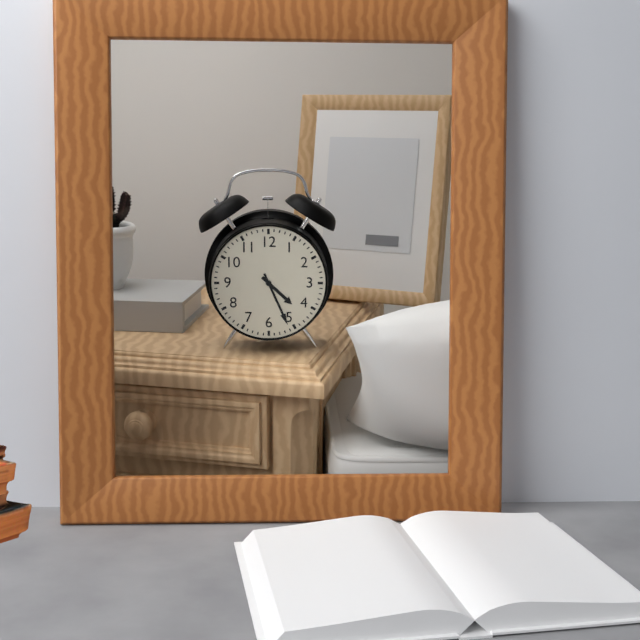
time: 4:26
